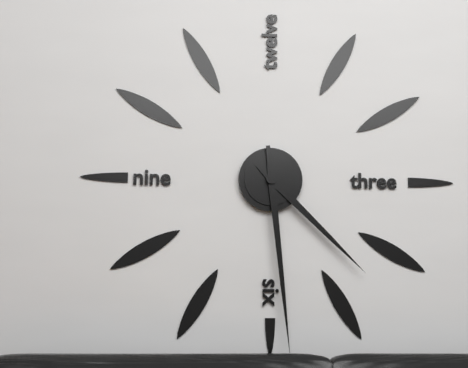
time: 4:29
